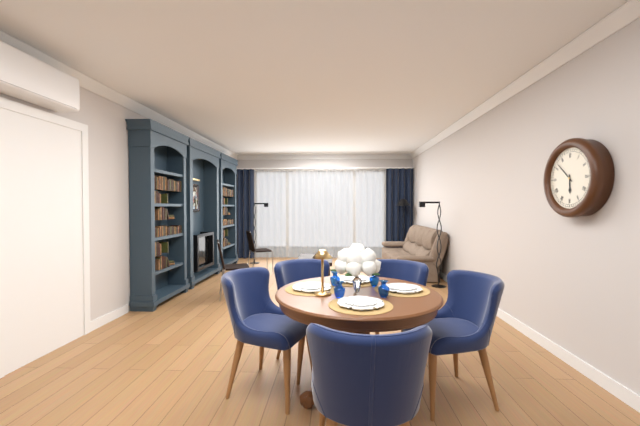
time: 5:52
